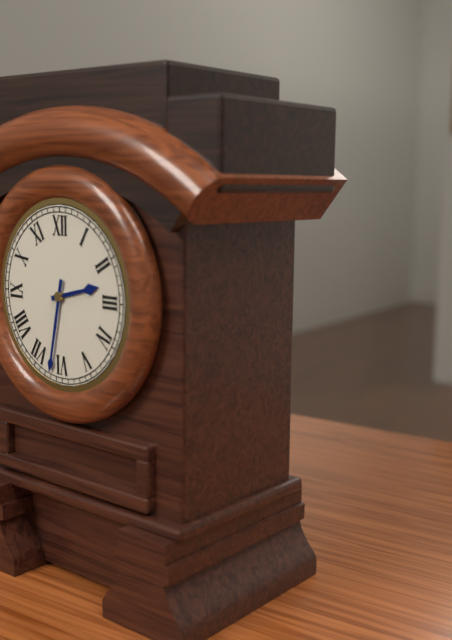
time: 2:32
